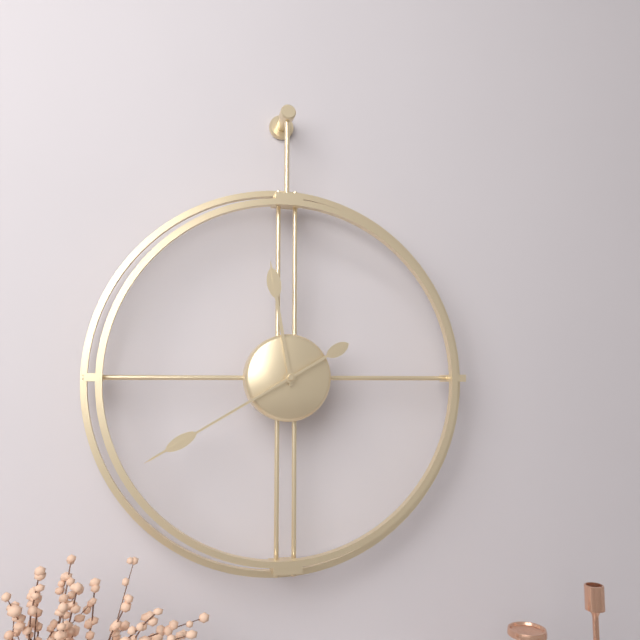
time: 11:40
